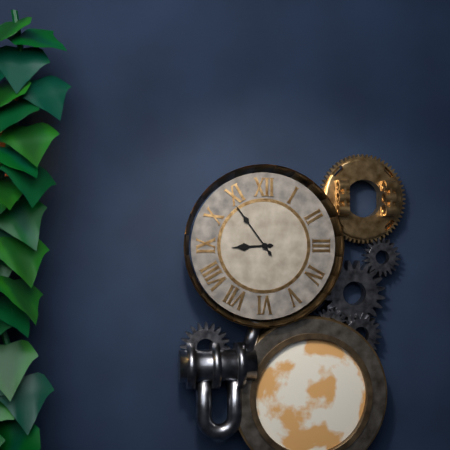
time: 8:54
